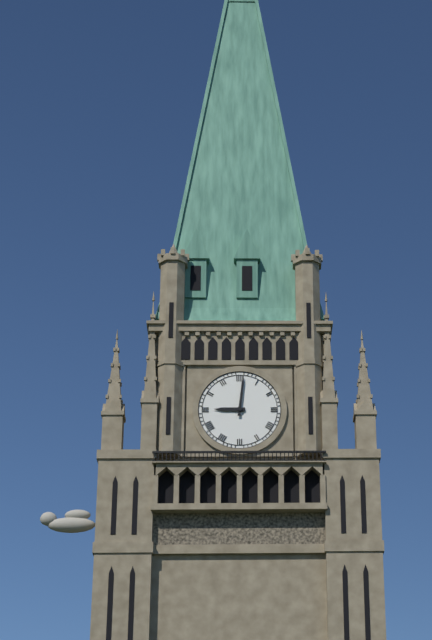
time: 9:01
